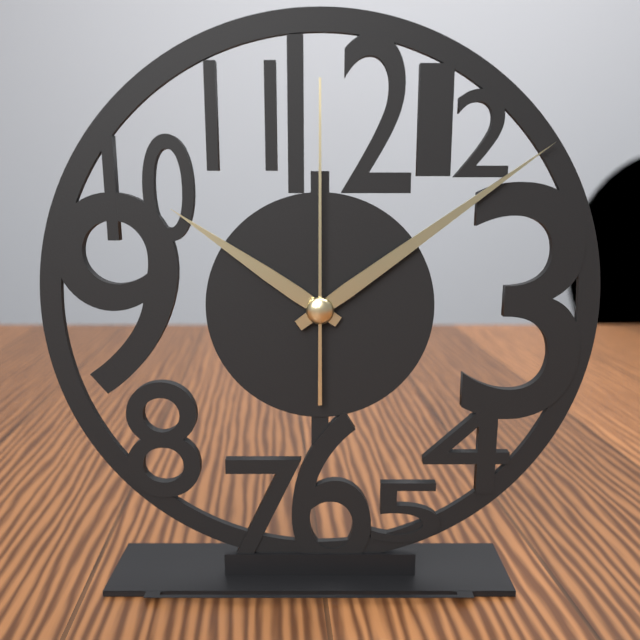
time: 10:09:00
